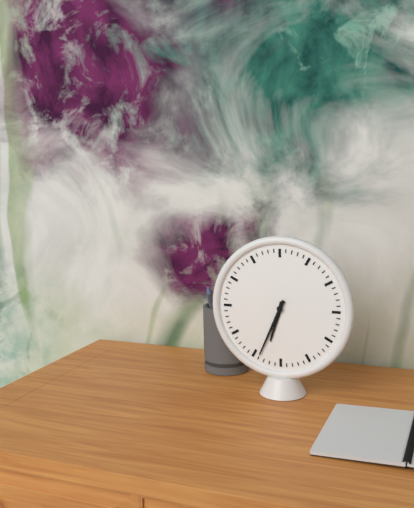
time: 6:34
